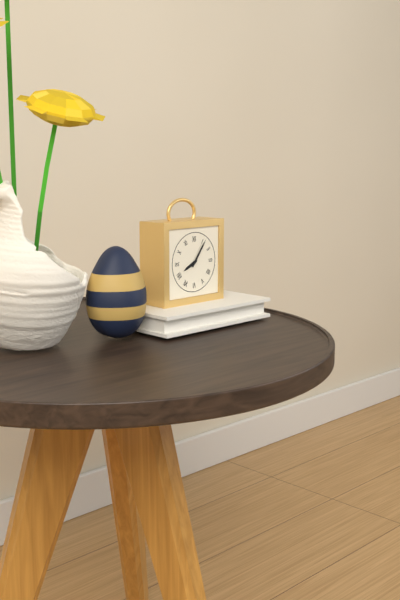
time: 8:06
